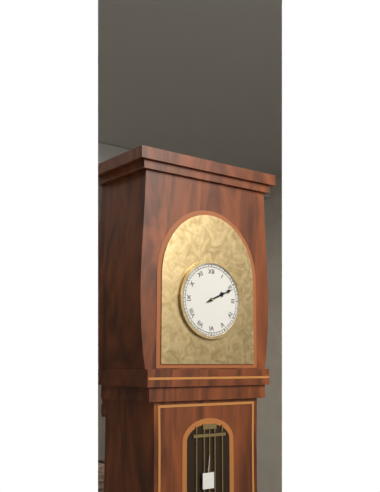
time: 2:11
